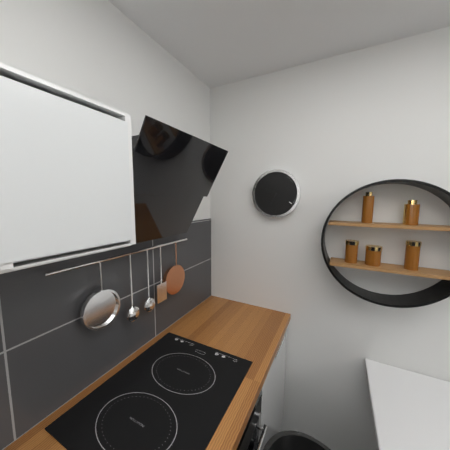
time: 6:49
